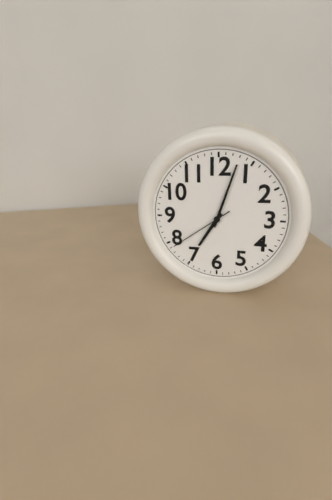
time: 7:03:39
